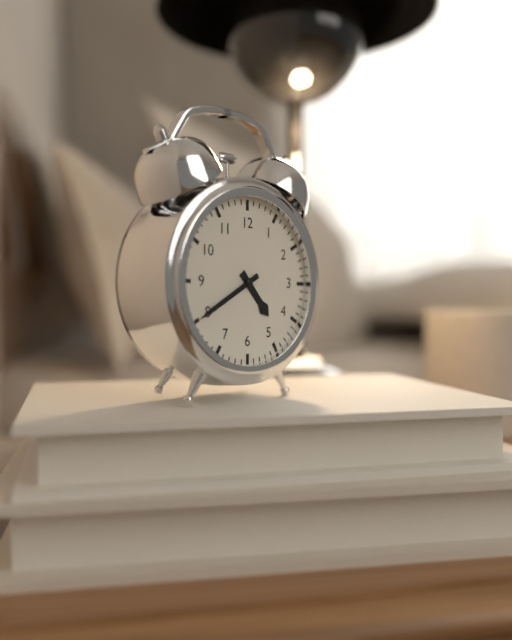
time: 4:40
